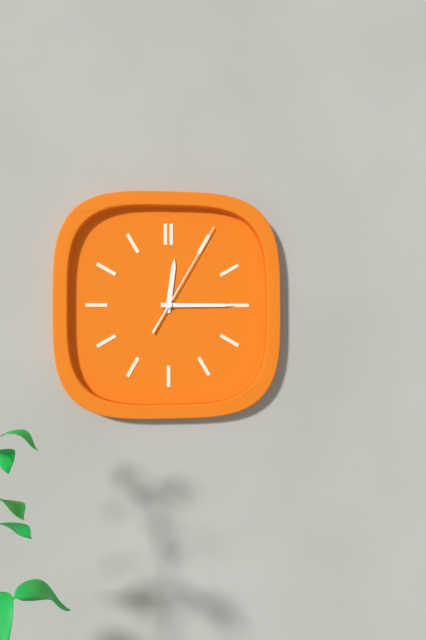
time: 12:15:05
